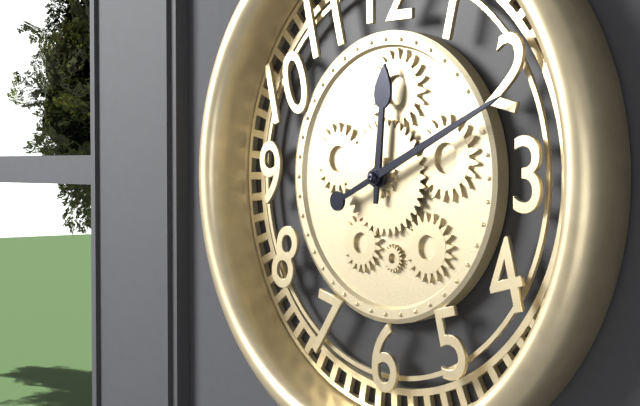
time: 12:11
